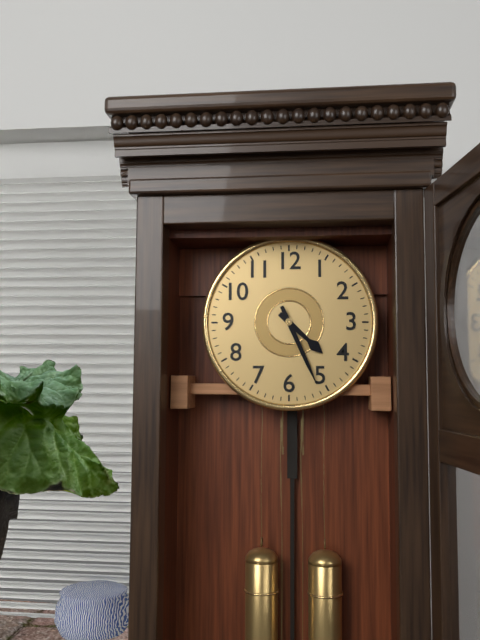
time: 4:26
